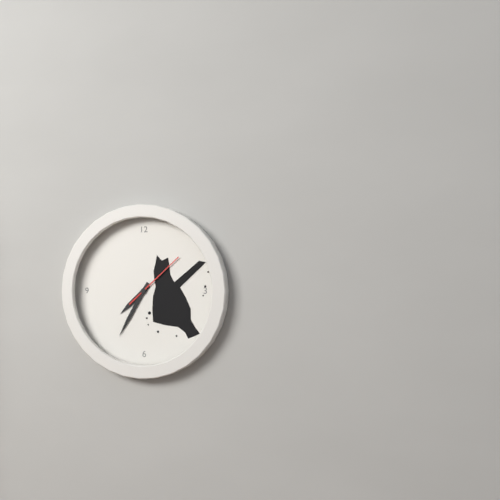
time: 7:35:08
